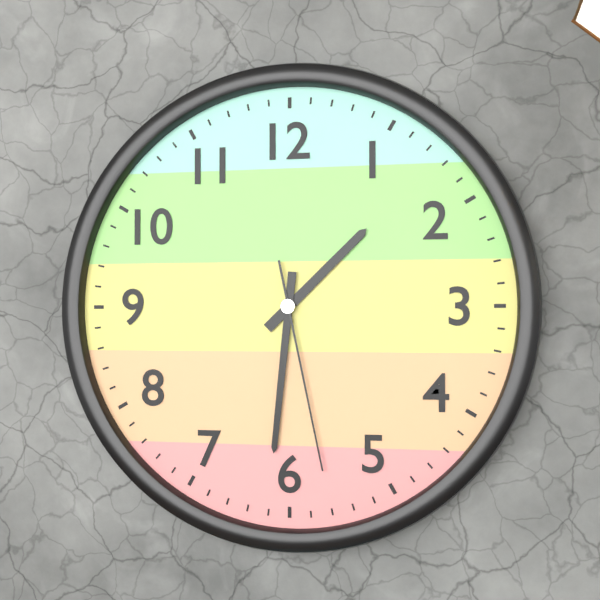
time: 1:31:28
